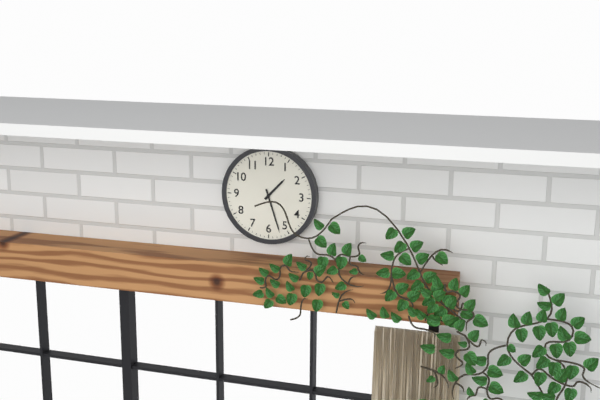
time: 1:27
